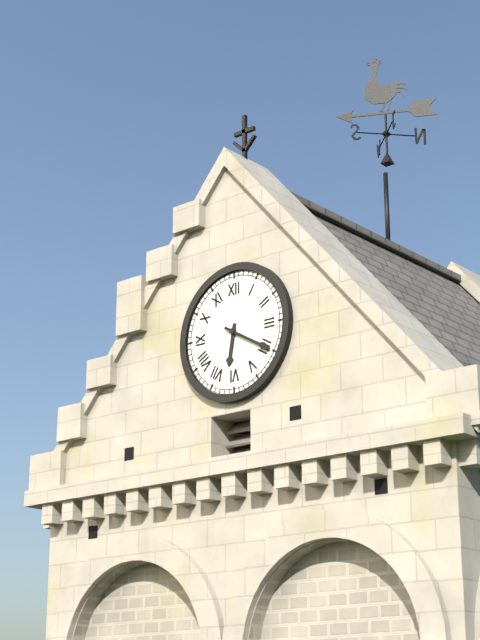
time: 6:20
